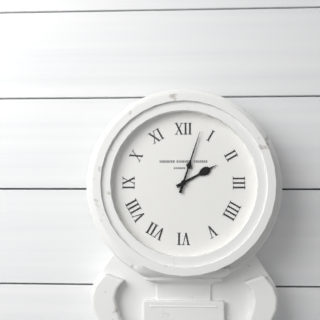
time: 2:03
